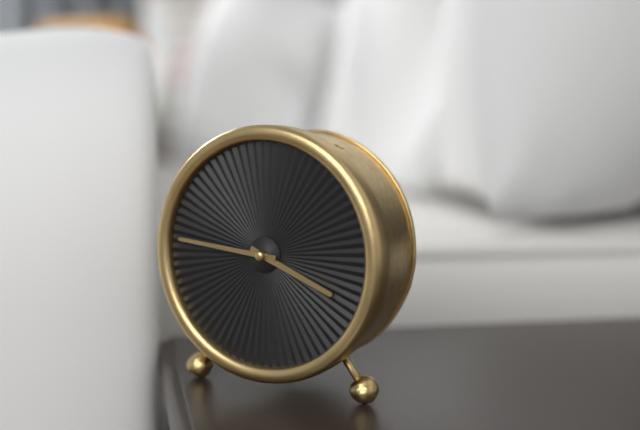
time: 3:46
